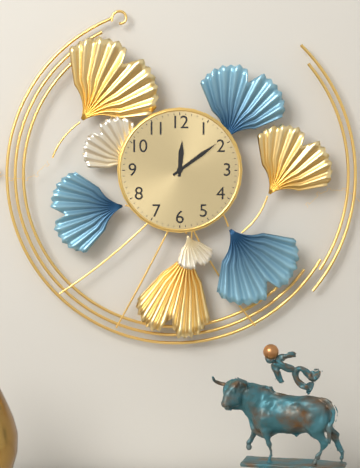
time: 12:09
